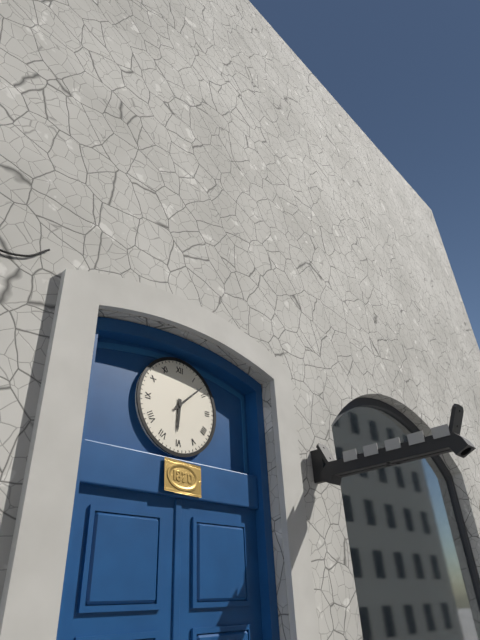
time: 6:08
